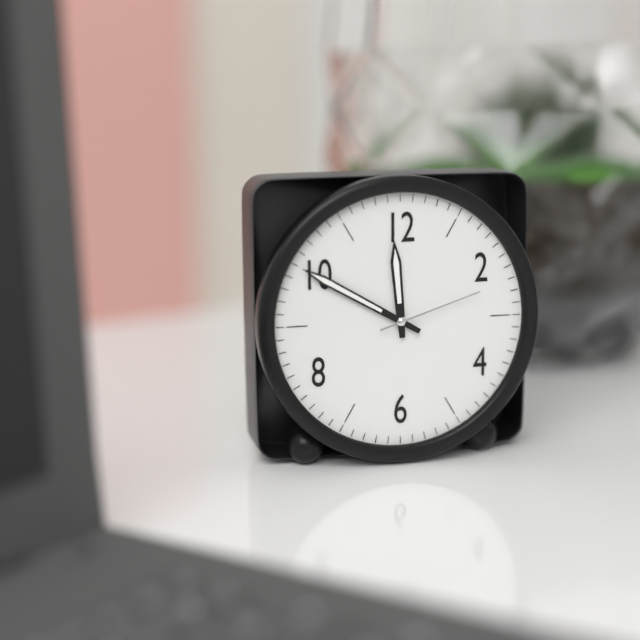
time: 11:50:12
